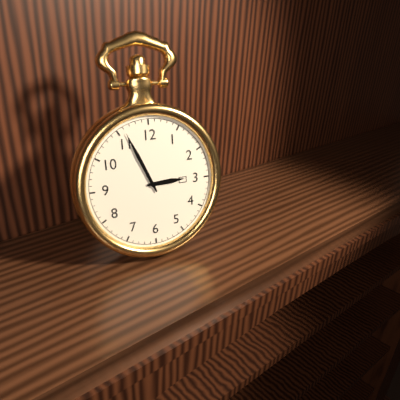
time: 2:56
